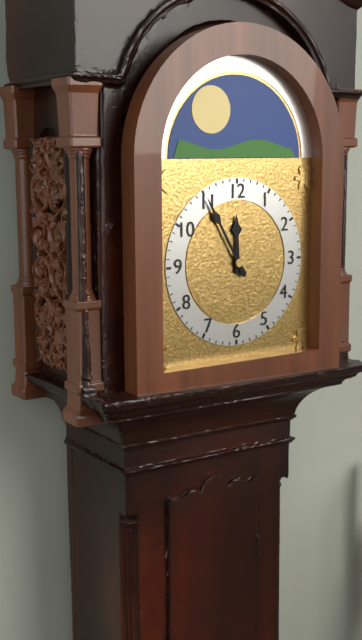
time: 11:55
